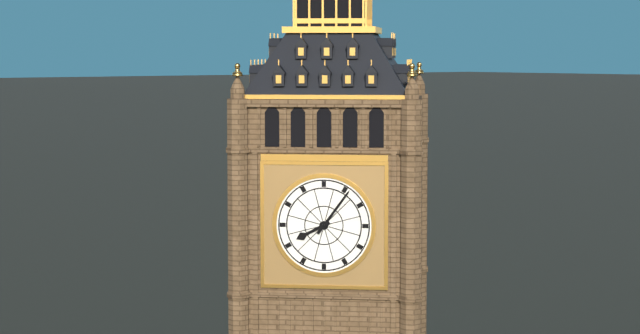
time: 8:06
